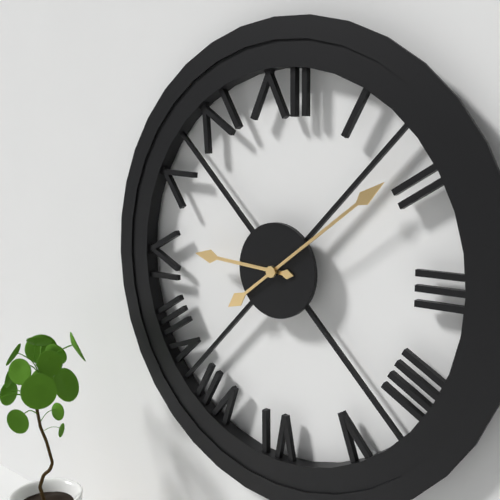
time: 9:09
